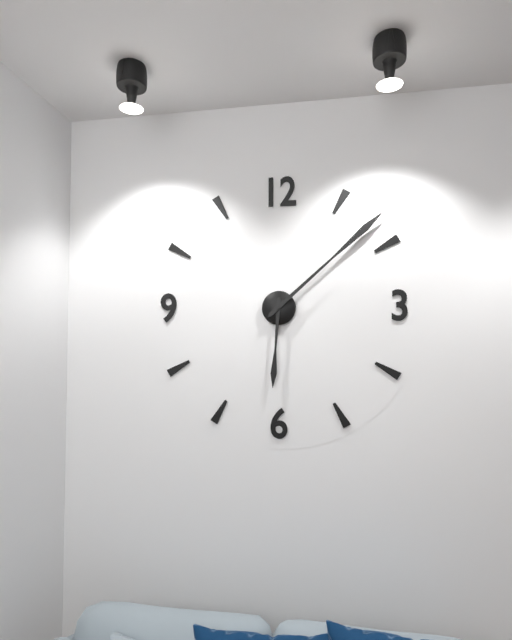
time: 6:08
